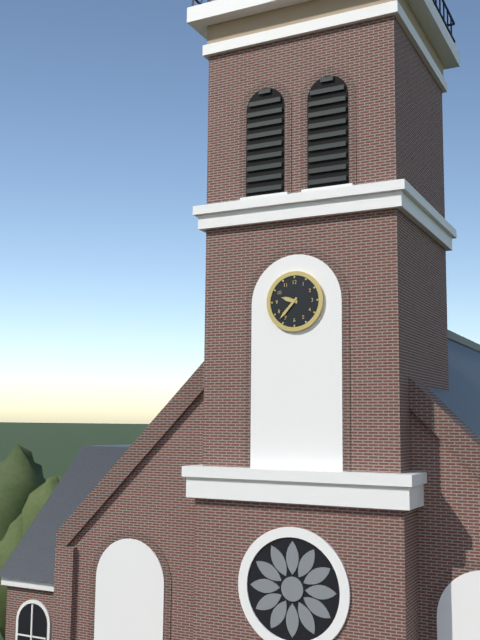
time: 9:37
